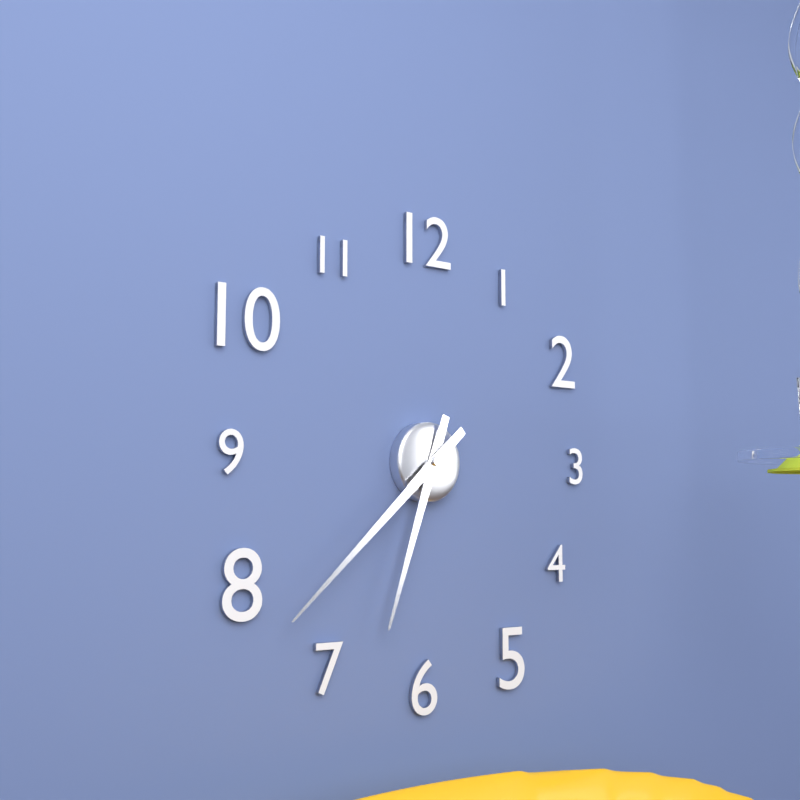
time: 6:38
